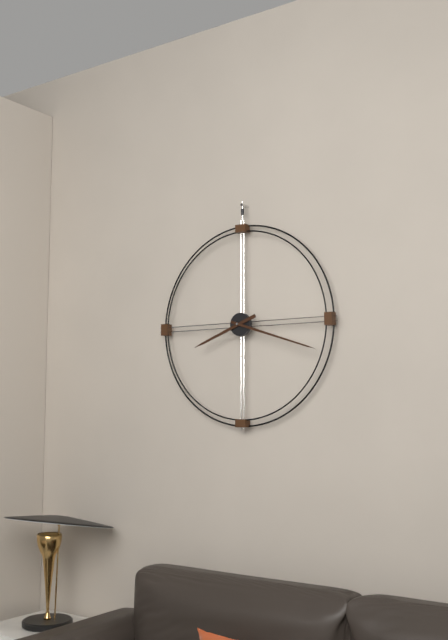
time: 8:18
